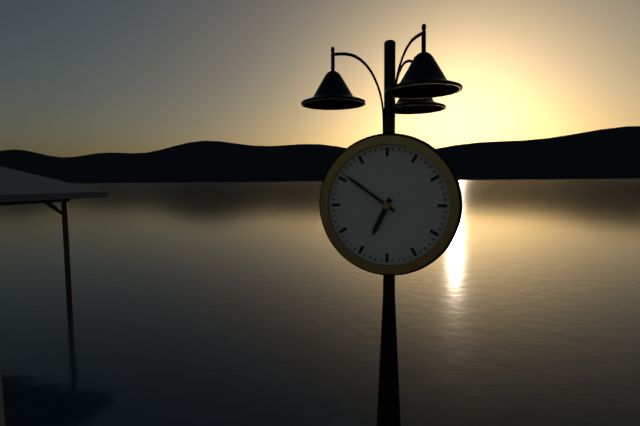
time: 6:51
